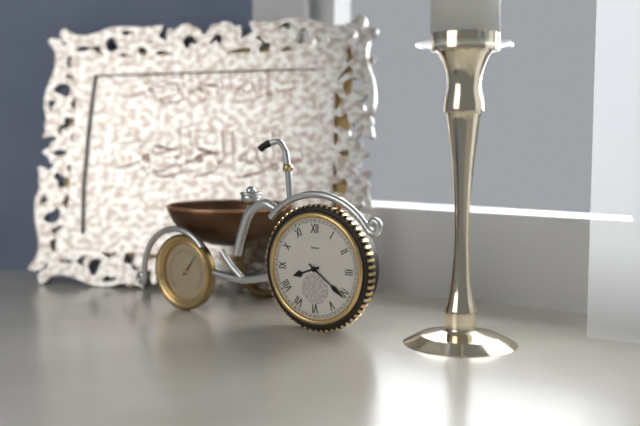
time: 8:21
